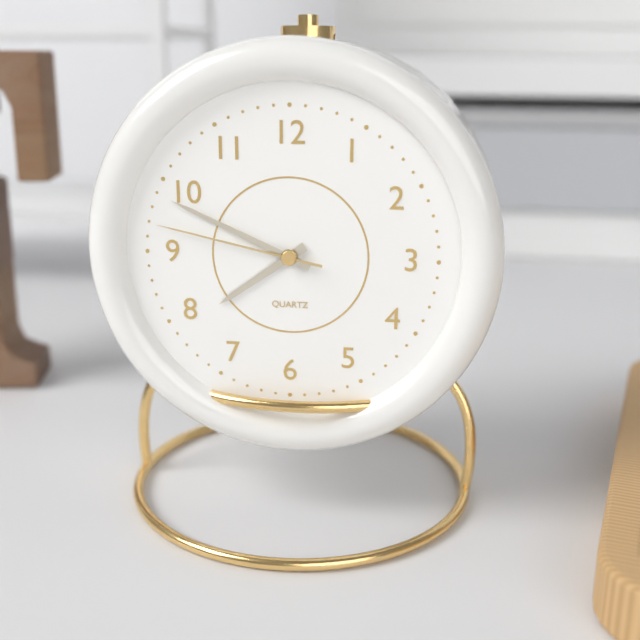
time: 7:49:47
